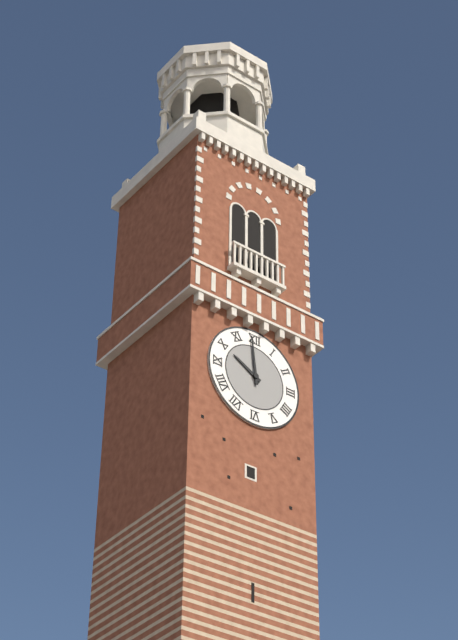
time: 9:59
